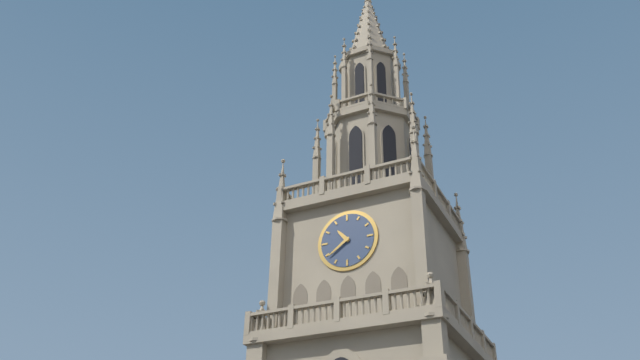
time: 10:39
